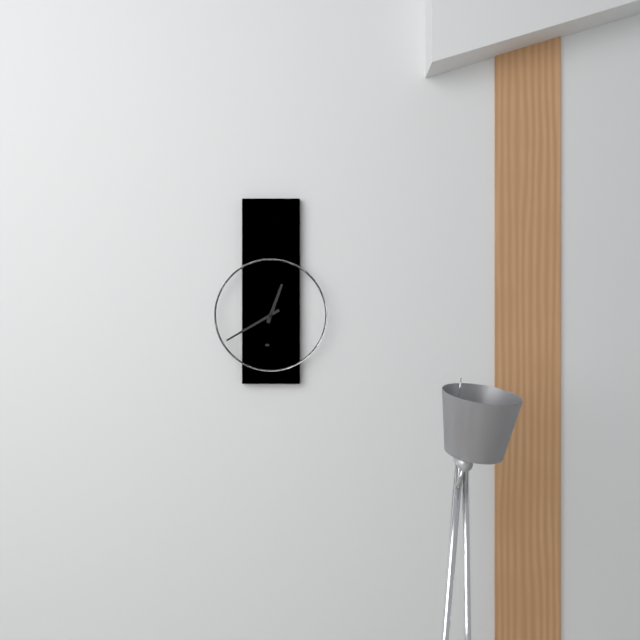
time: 12:40
